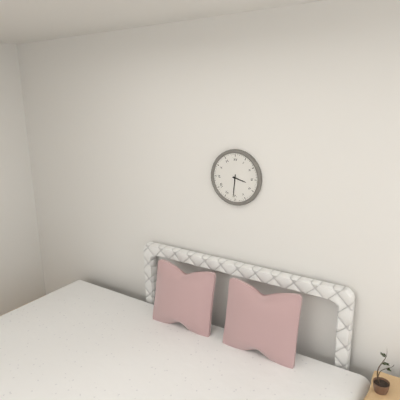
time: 3:31
